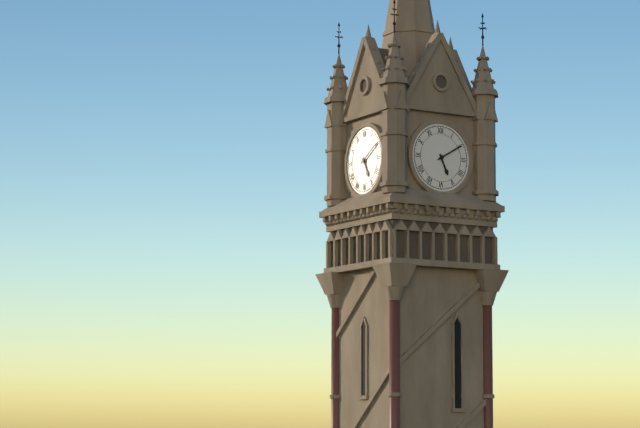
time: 5:10
